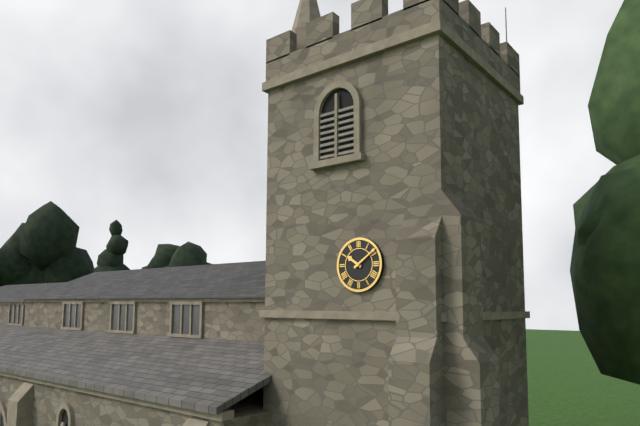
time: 10:09
